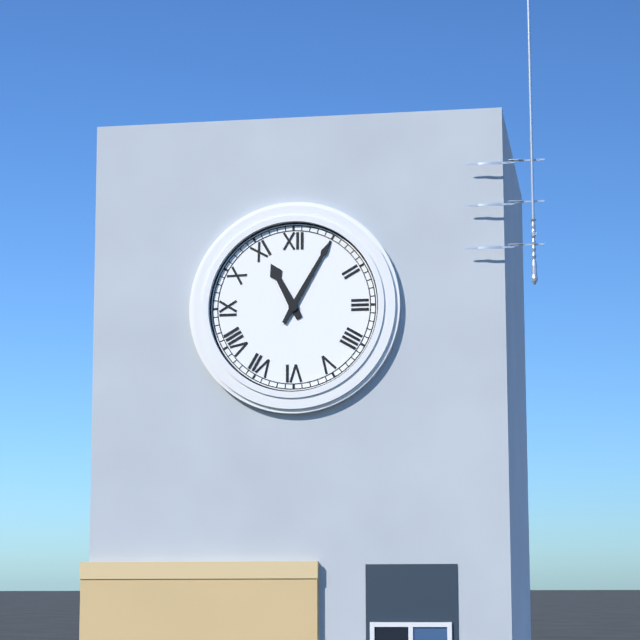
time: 11:05
